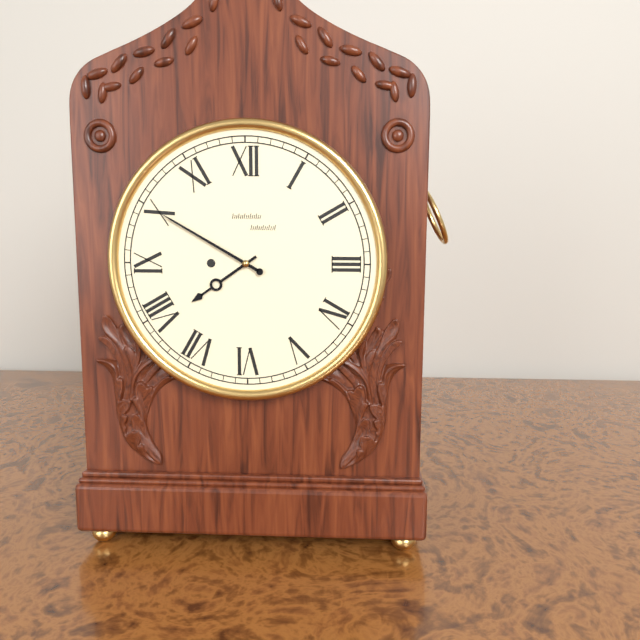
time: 7:50
